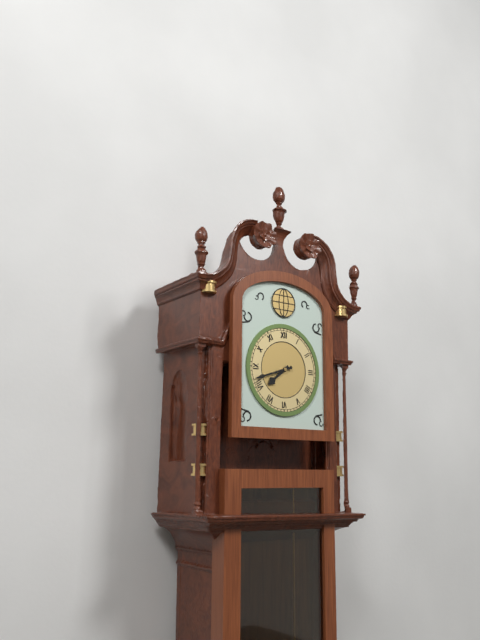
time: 7:42
